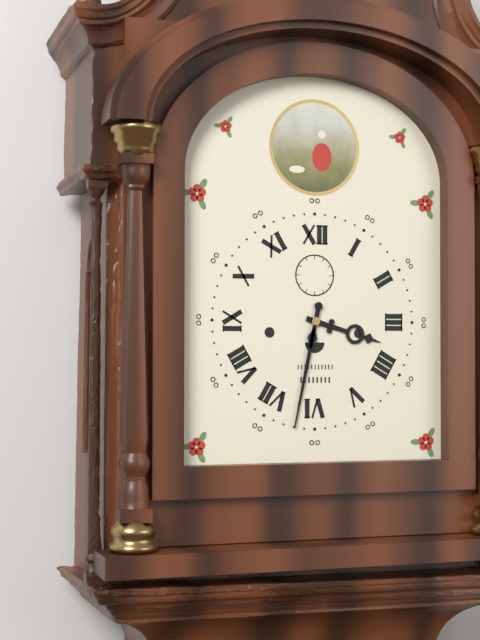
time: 3:32
